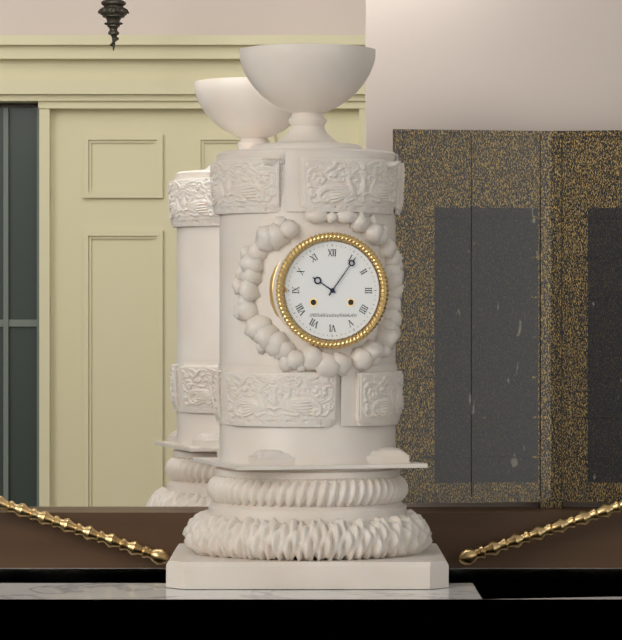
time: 10:06
